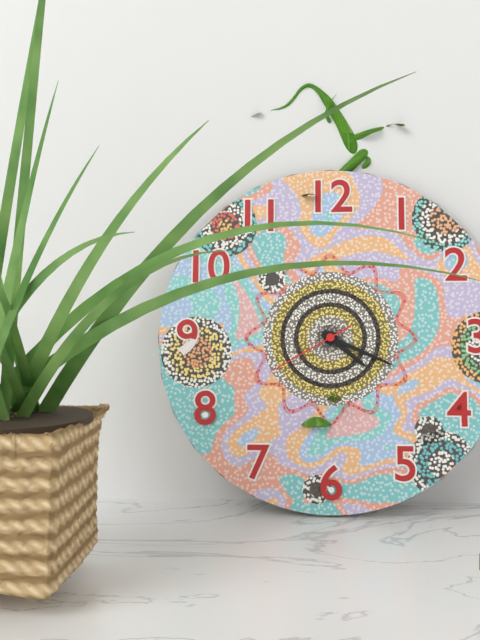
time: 4:19:40
